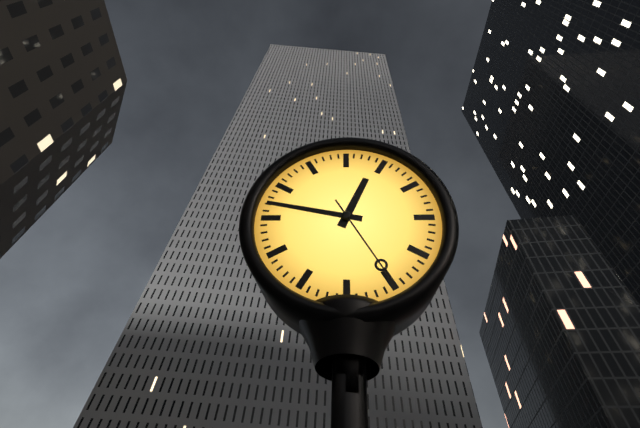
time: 12:47:25
